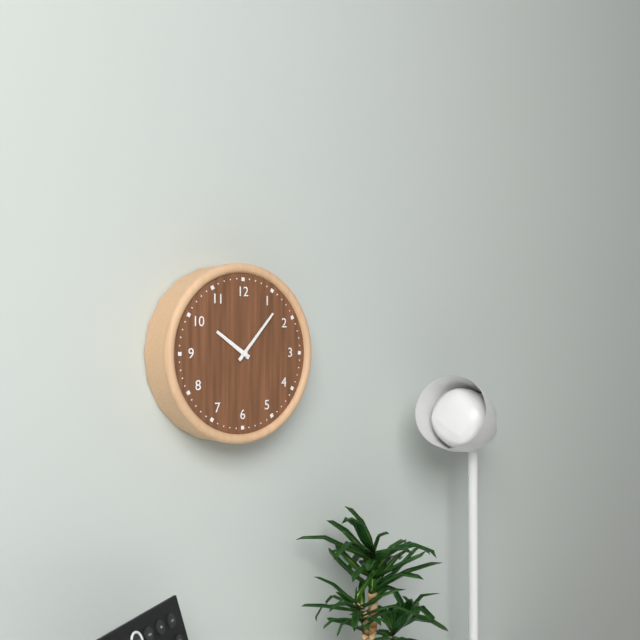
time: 10:07
